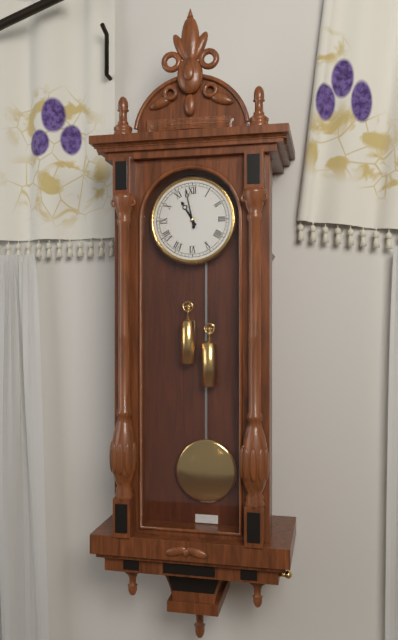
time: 10:58
